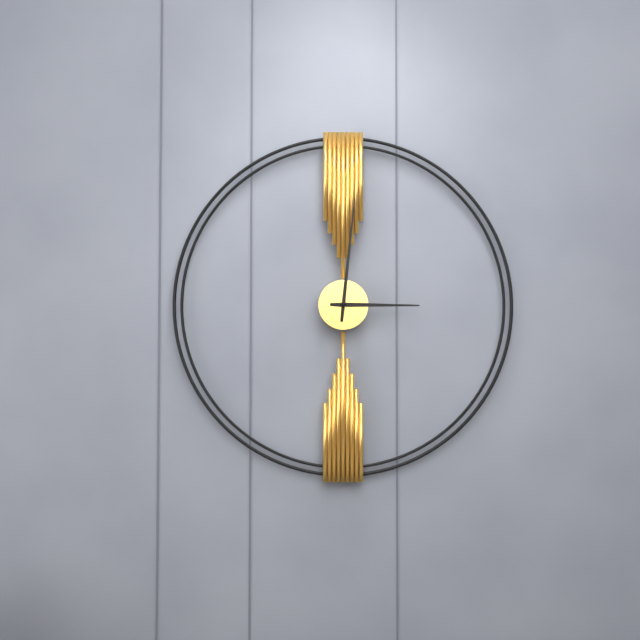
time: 3:01
